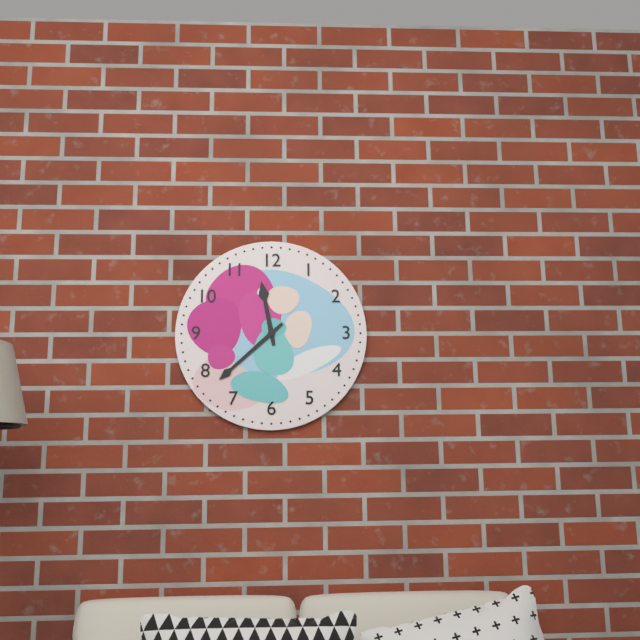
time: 11:38
